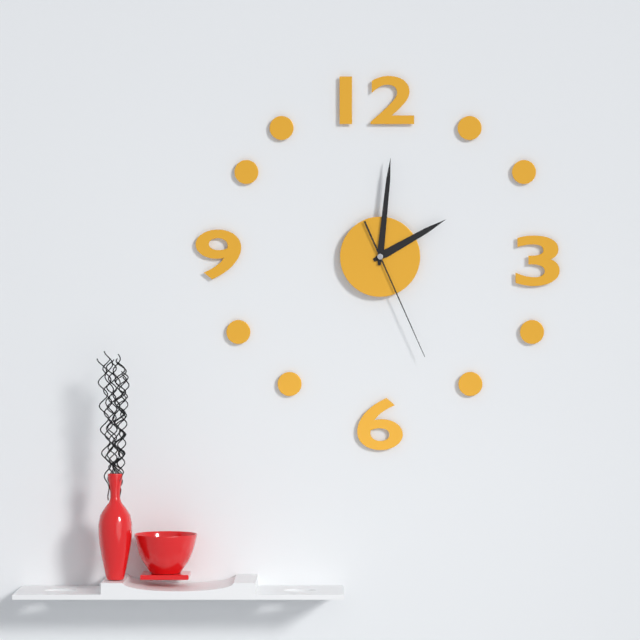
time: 2:01:26
